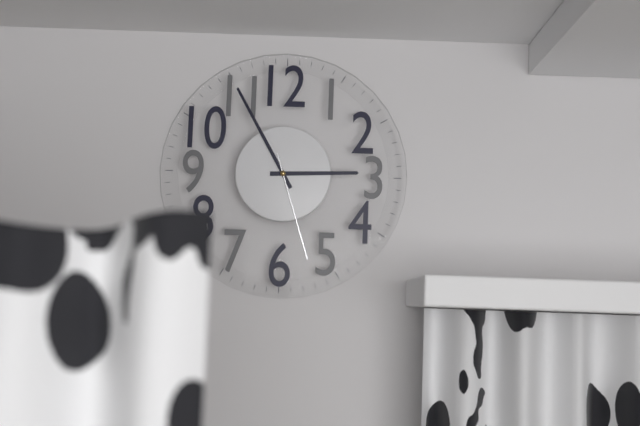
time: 2:55:27
